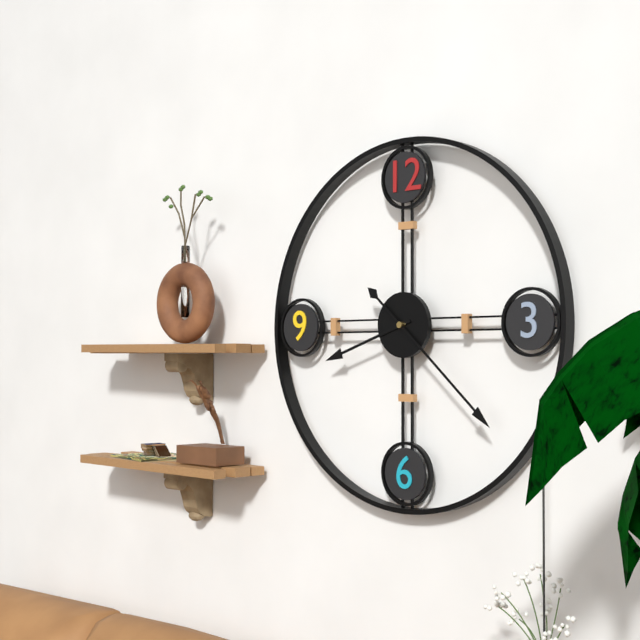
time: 8:22
